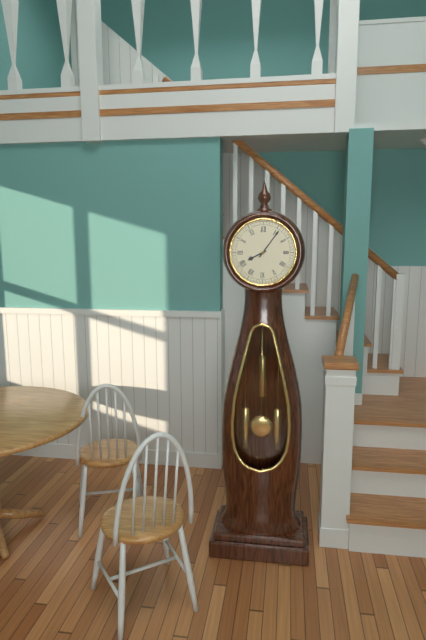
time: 8:06
